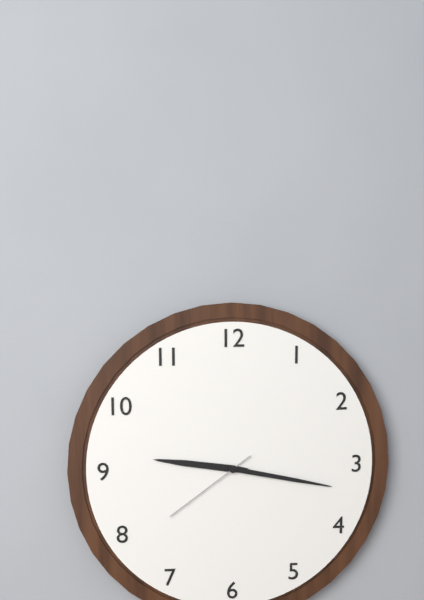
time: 9:17:39
